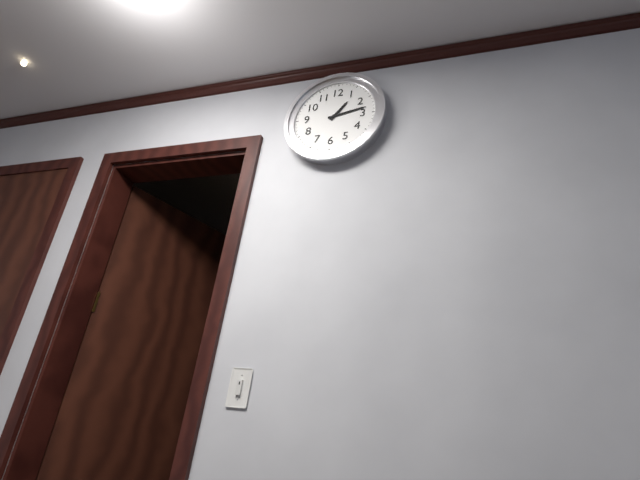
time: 1:13
